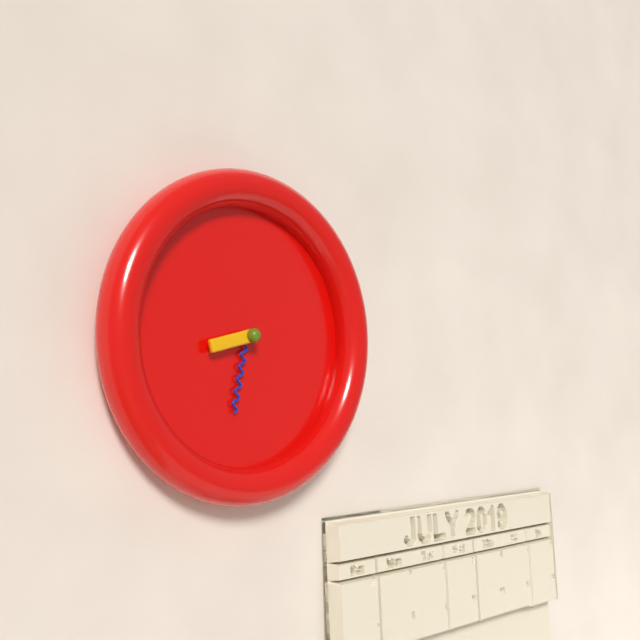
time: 8:32
